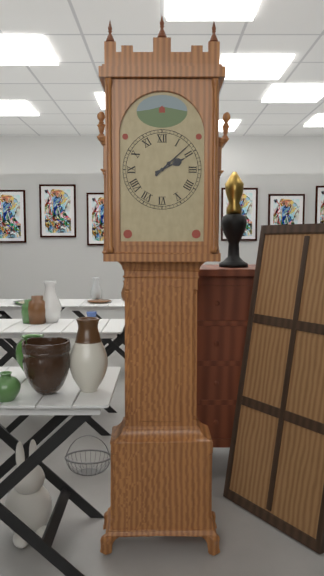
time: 2:08
